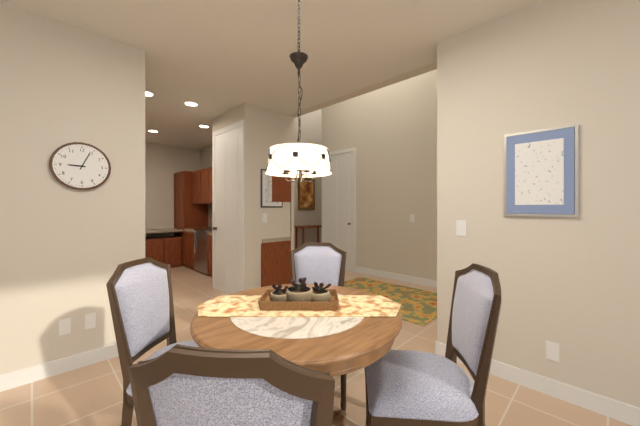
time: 9:04
